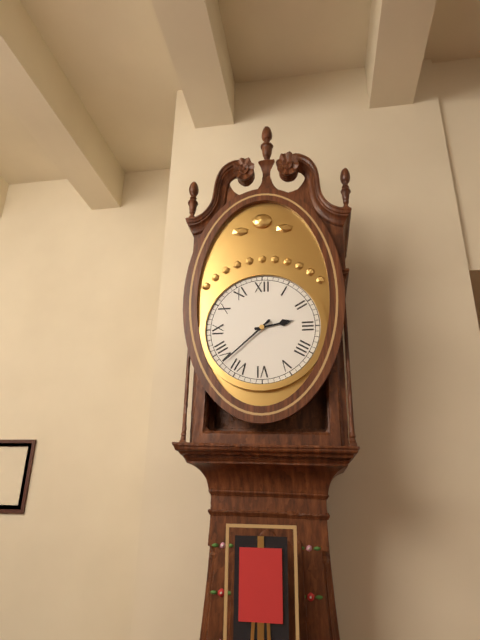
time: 2:38
